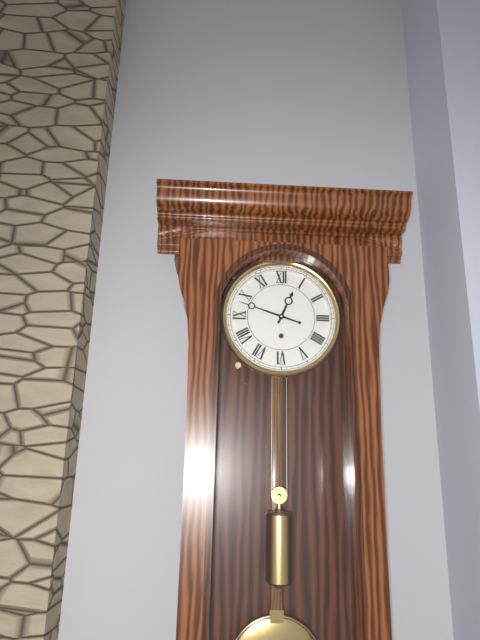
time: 12:48
